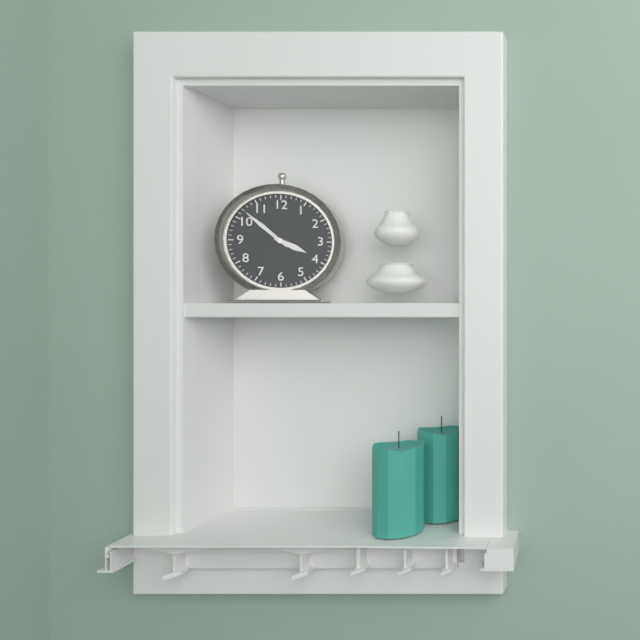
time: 3:52
